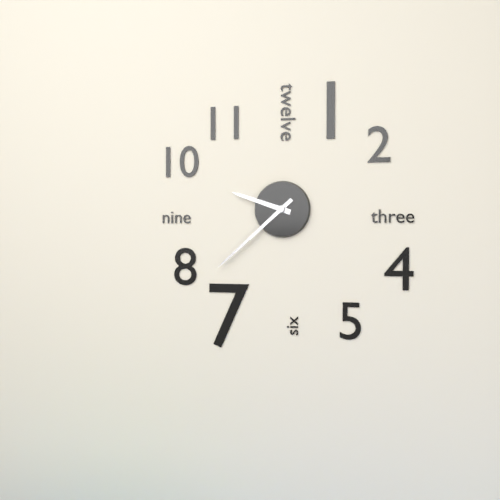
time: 9:38
